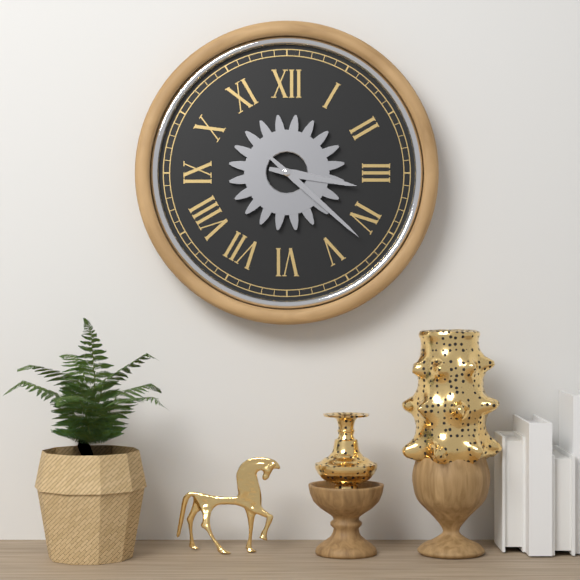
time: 3:22
